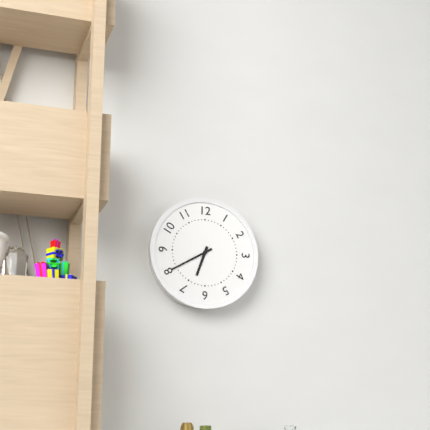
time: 6:40
